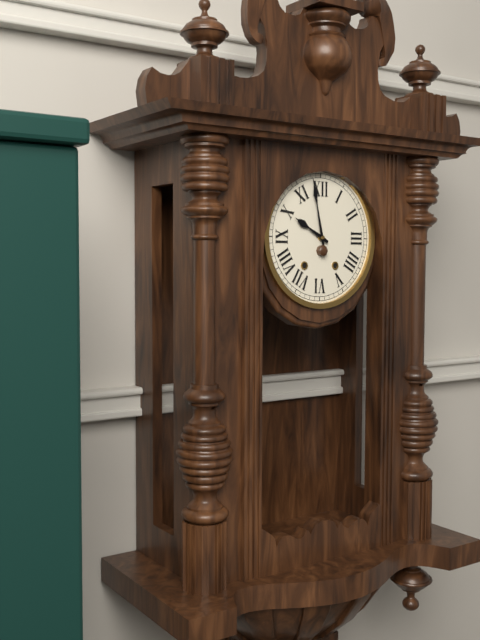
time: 9:58
